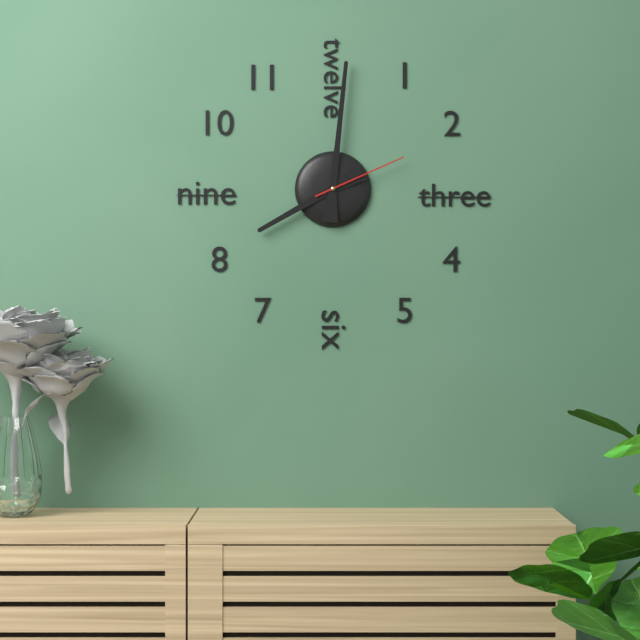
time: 8:01:11
